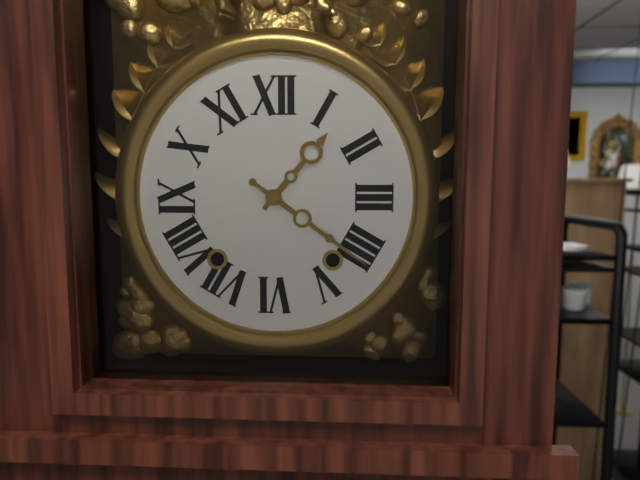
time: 1:21
